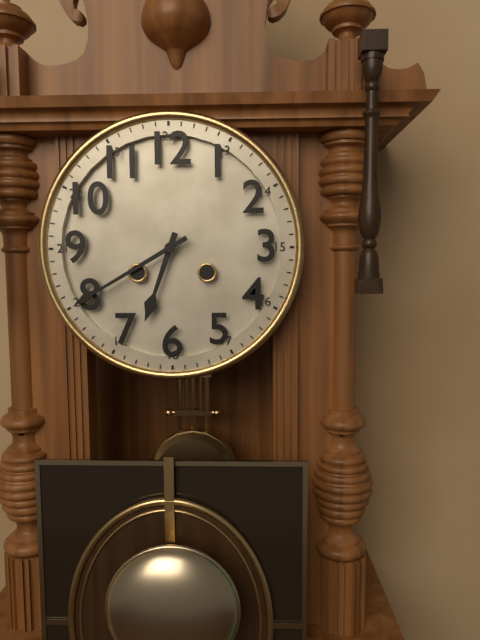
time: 6:40
